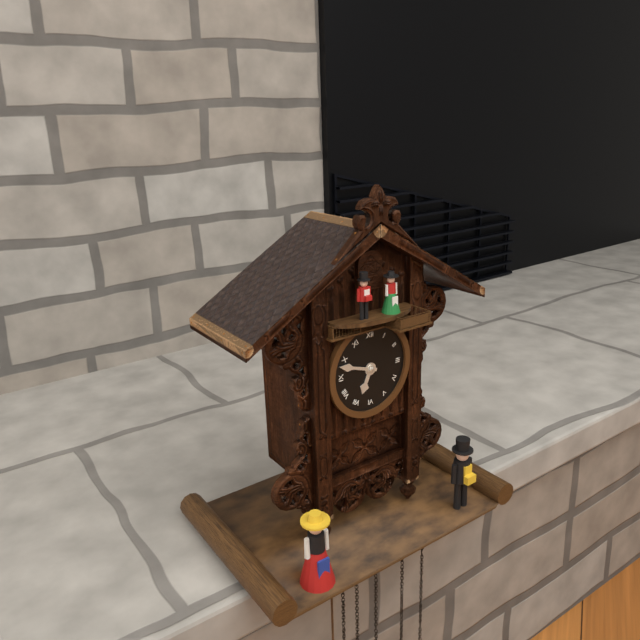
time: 6:48
